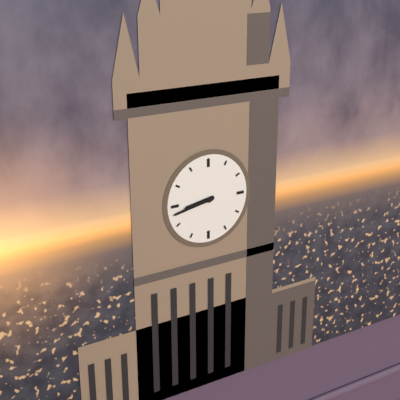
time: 8:43
